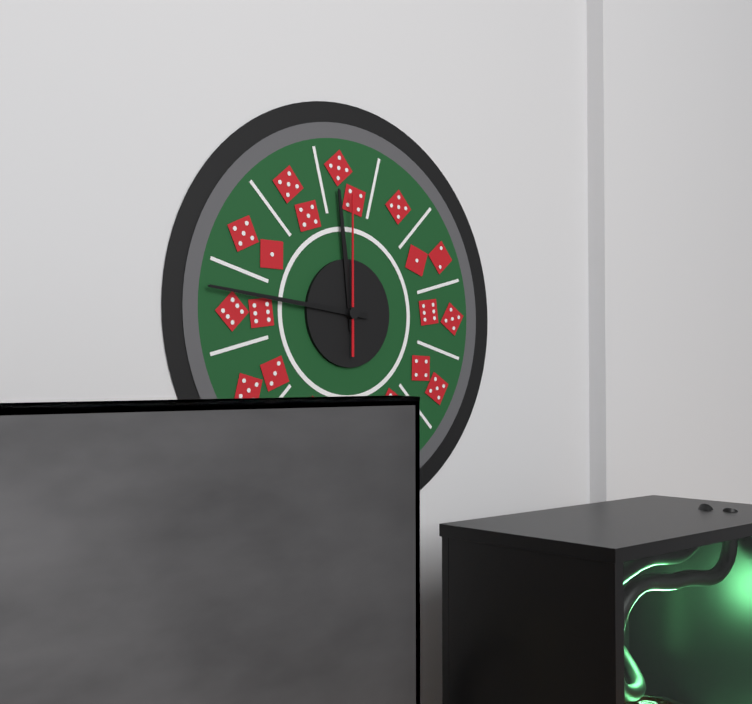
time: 11:46:00
